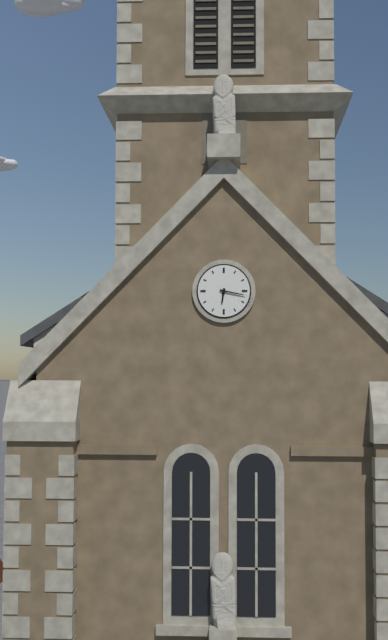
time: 6:17
